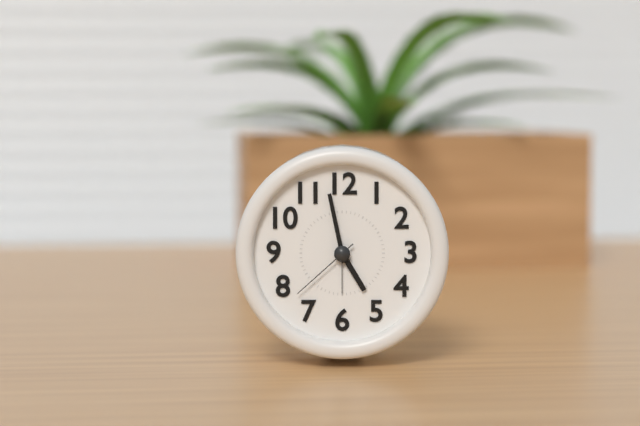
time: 4:58:38
